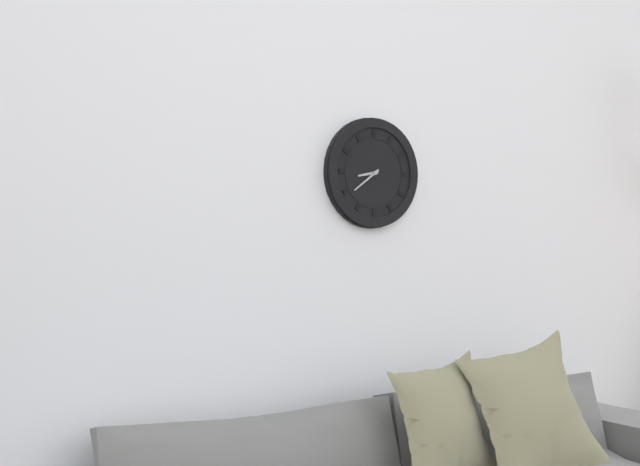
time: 8:39
